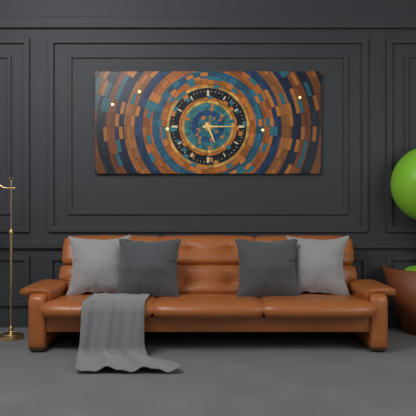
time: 5:15
